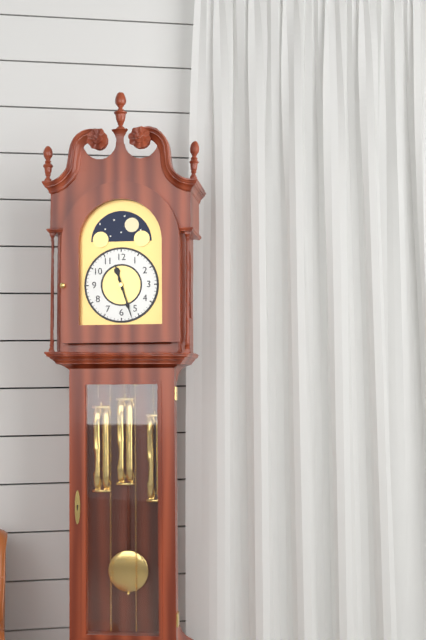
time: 11:27
